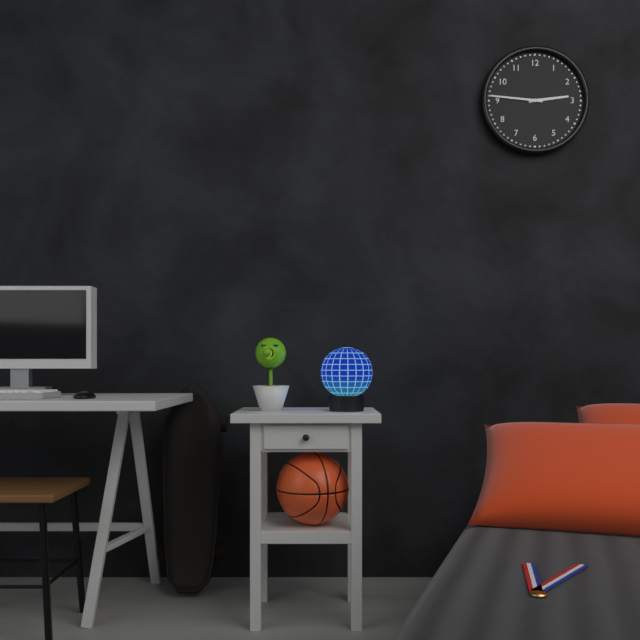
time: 2:46
